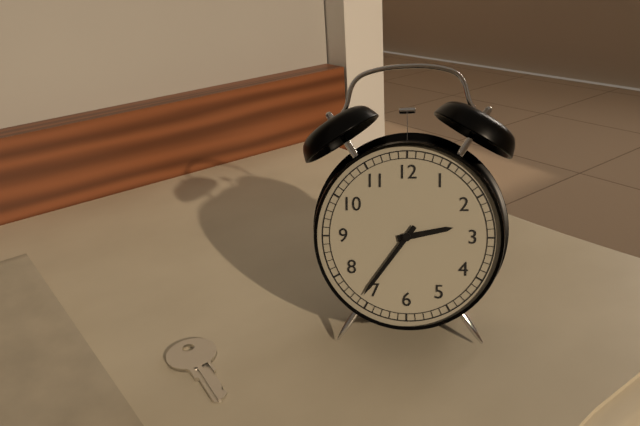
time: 2:36
